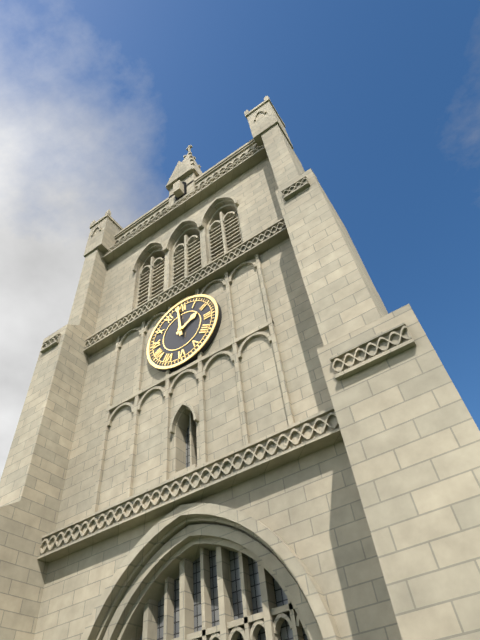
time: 1:59
